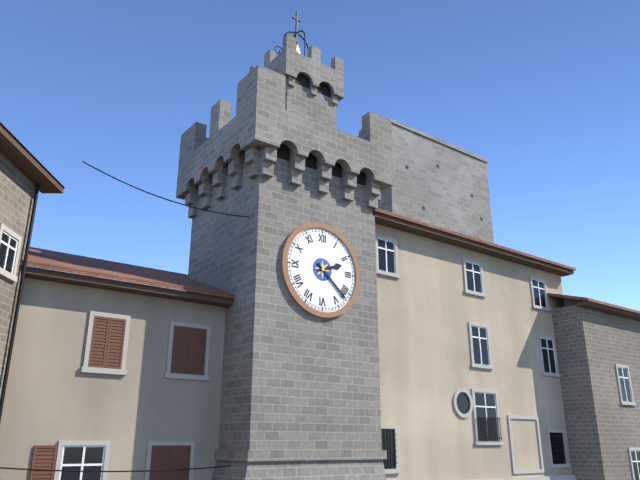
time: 2:22
